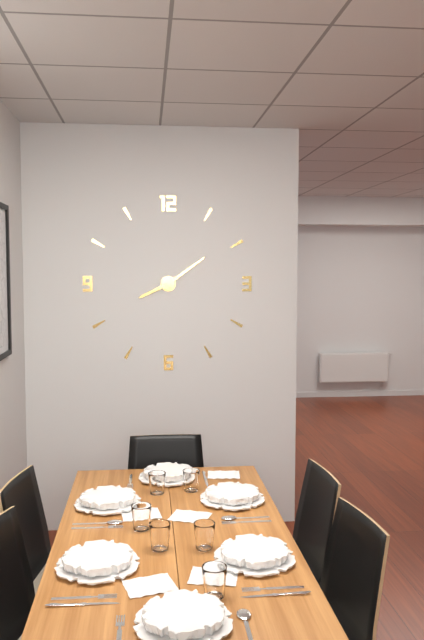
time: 8:09
